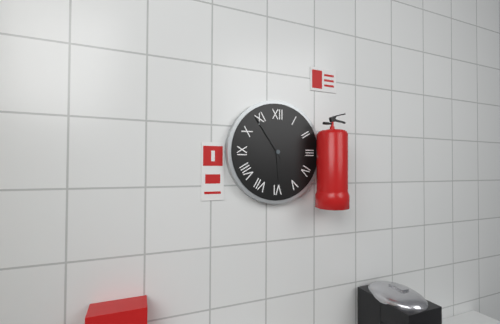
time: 5:54
